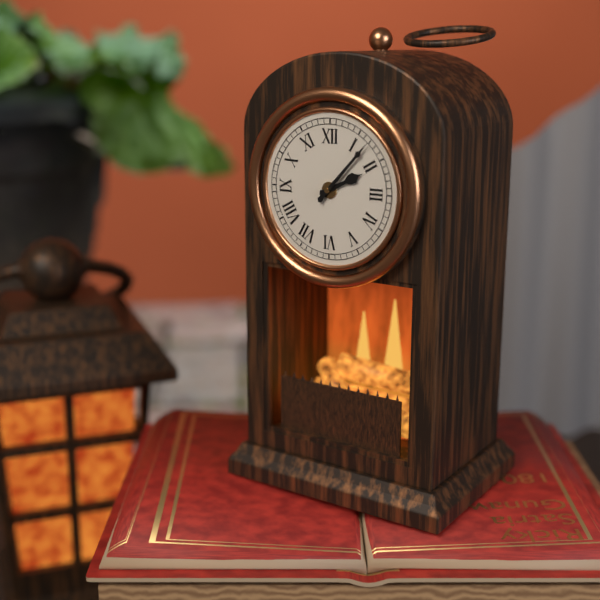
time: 2:07
